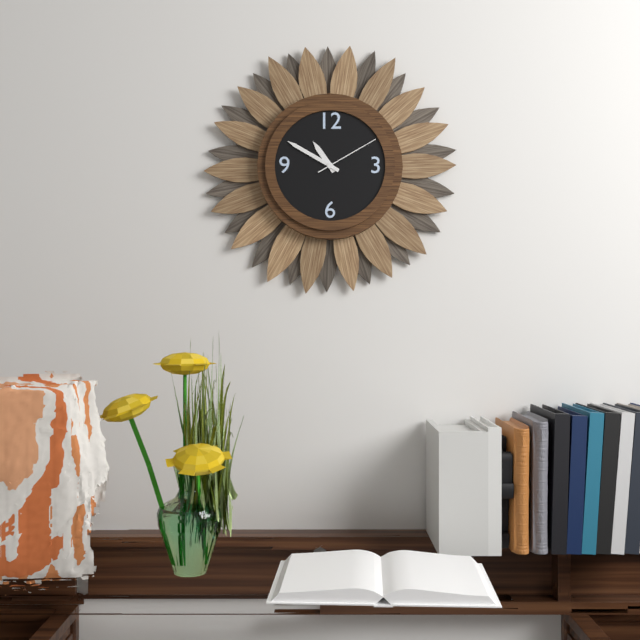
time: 10:50:10
